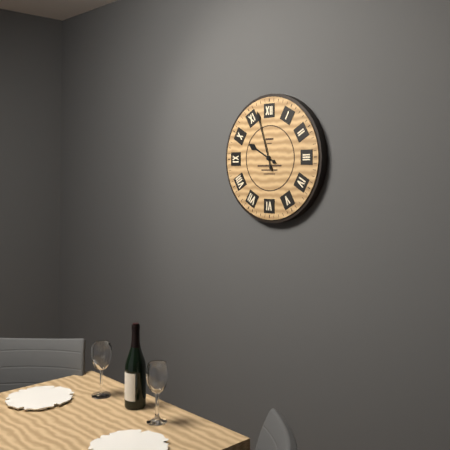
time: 9:57
